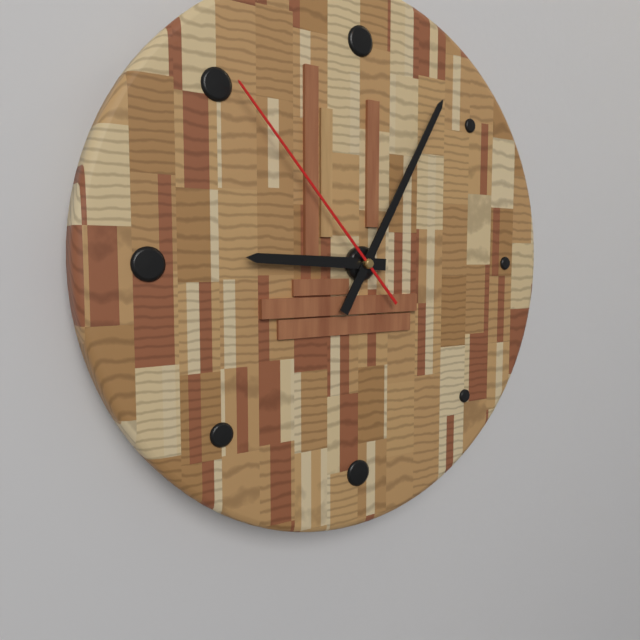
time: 9:05:53
